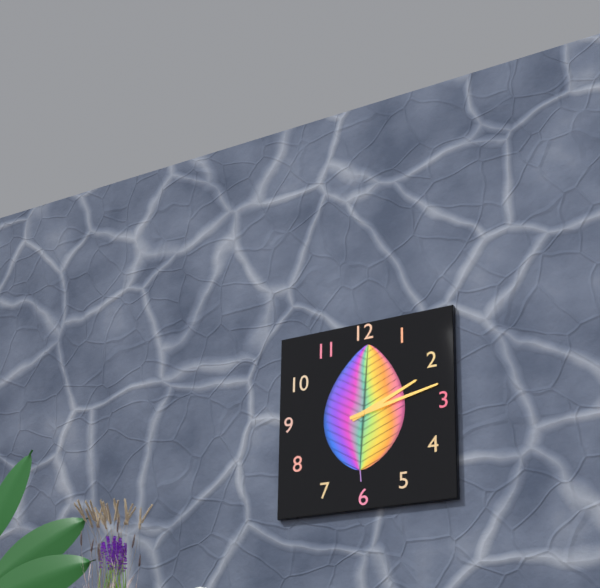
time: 2:13
